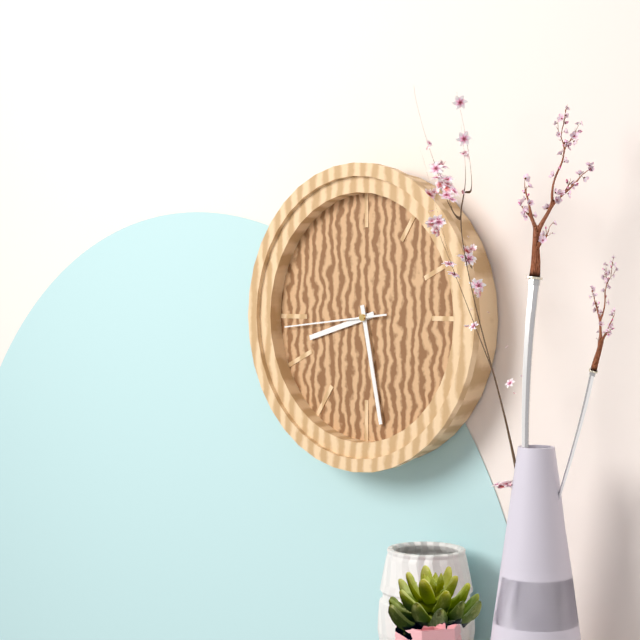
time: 8:28:44
